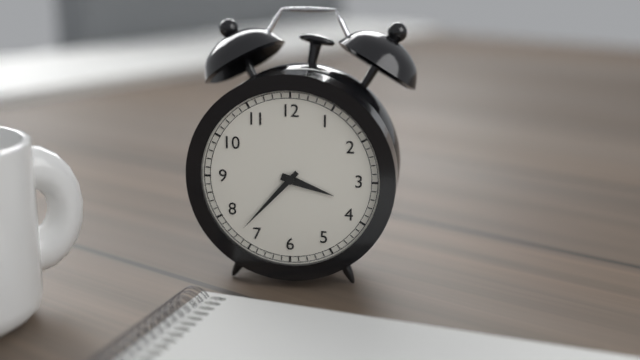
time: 3:37
